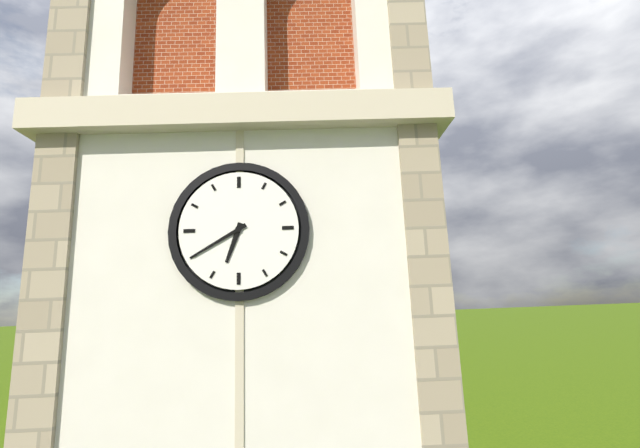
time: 6:40
